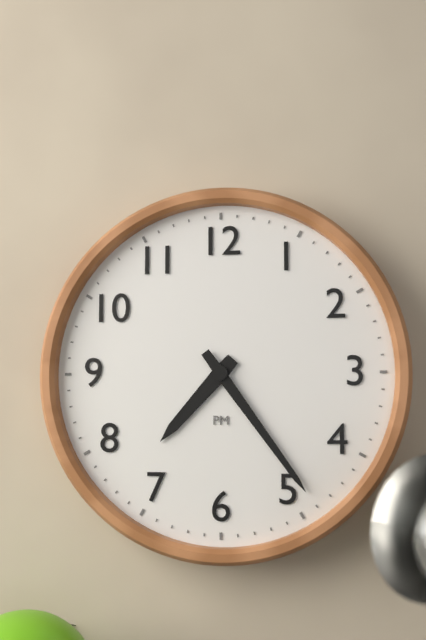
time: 7:24
